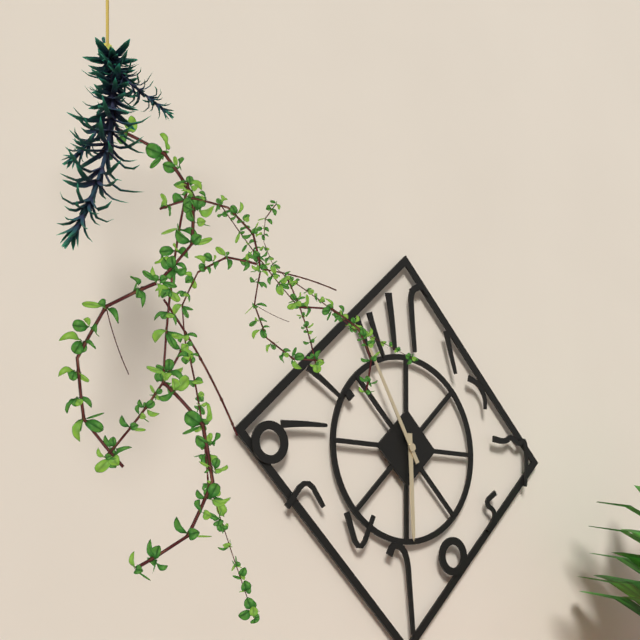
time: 5:55
